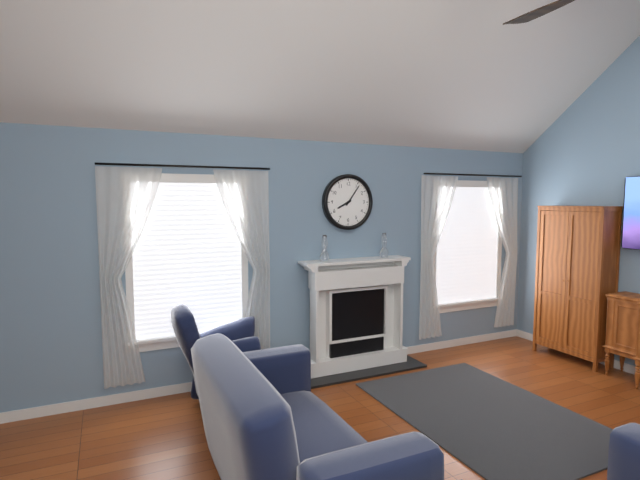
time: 8:06
